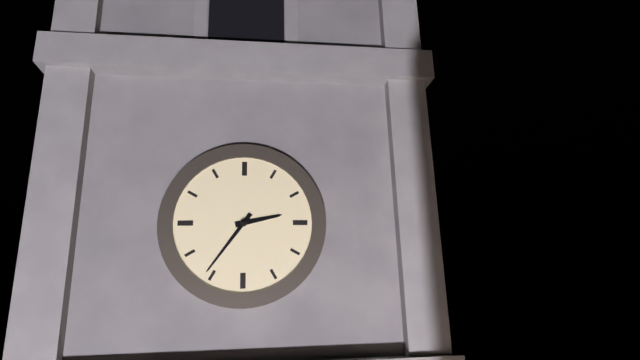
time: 2:36
